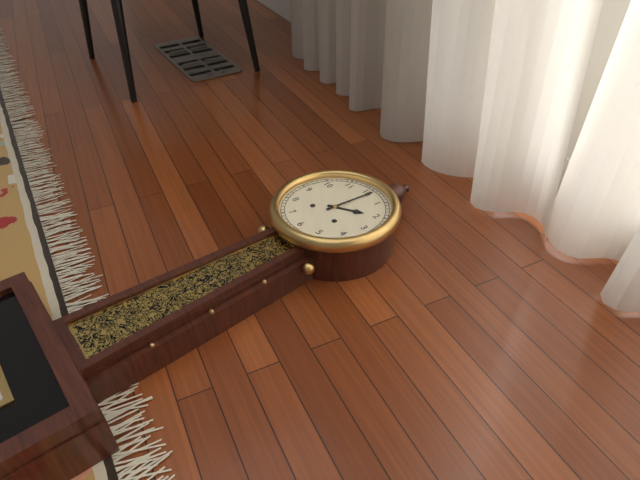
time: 2:01
